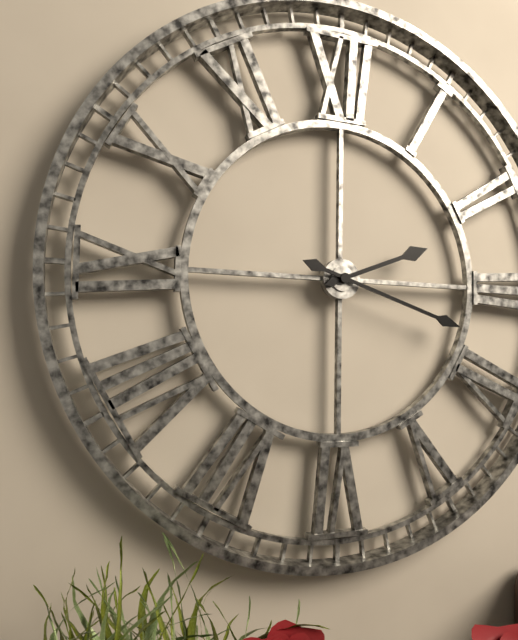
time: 2:18
